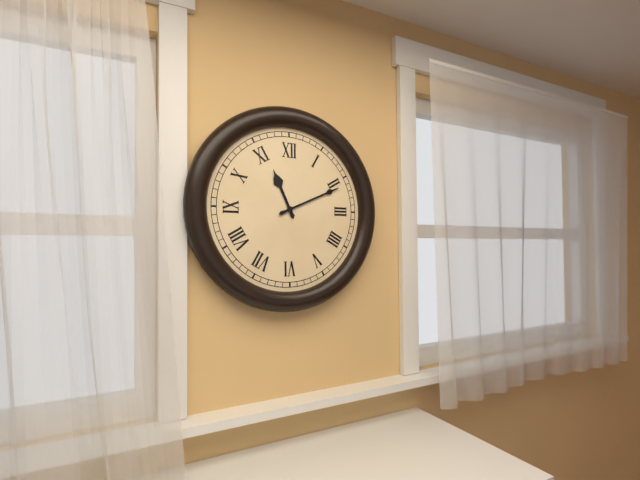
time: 11:11
